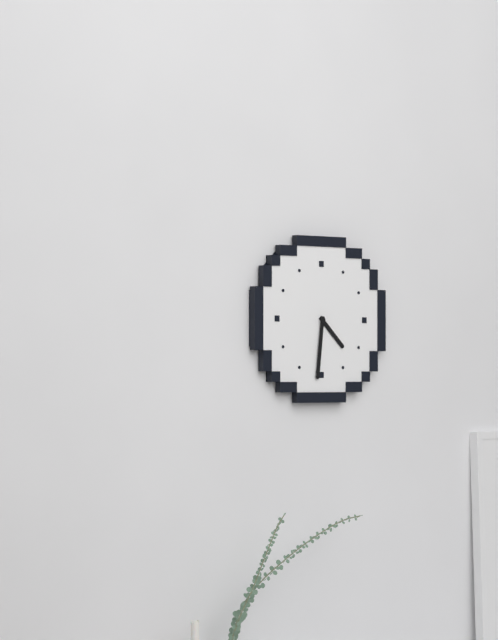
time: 4:31
